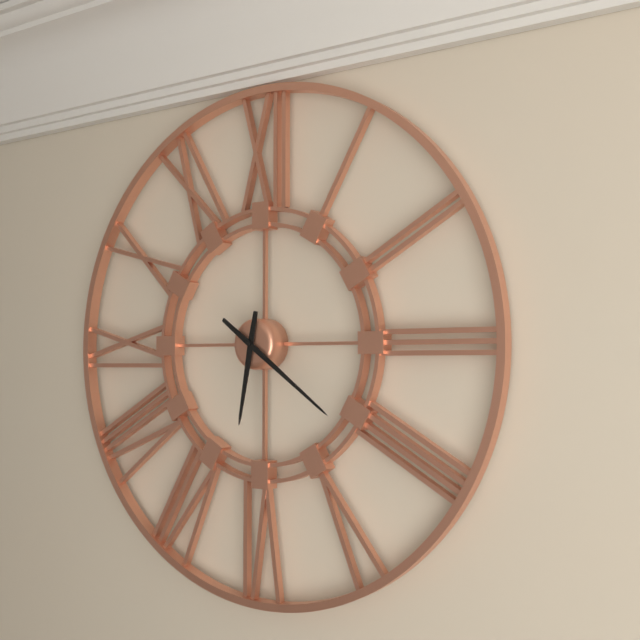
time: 6:21
